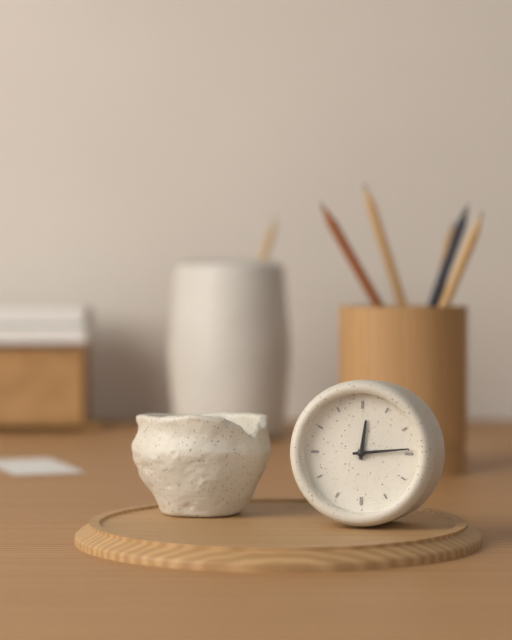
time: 12:14
